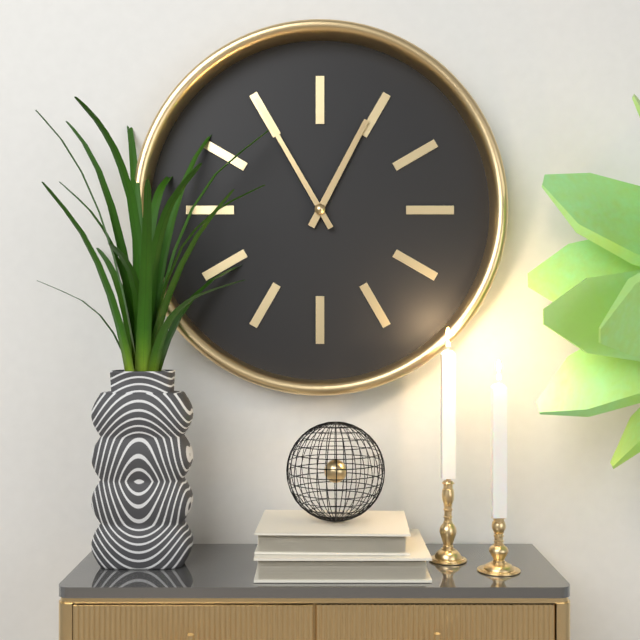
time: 12:55
